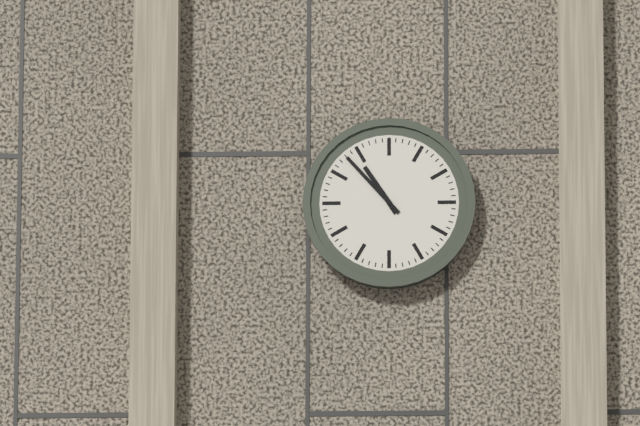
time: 10:53
